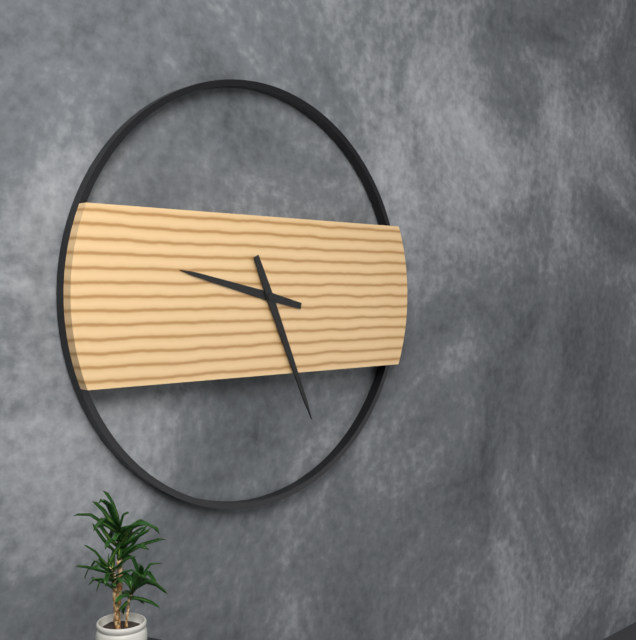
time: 9:26
